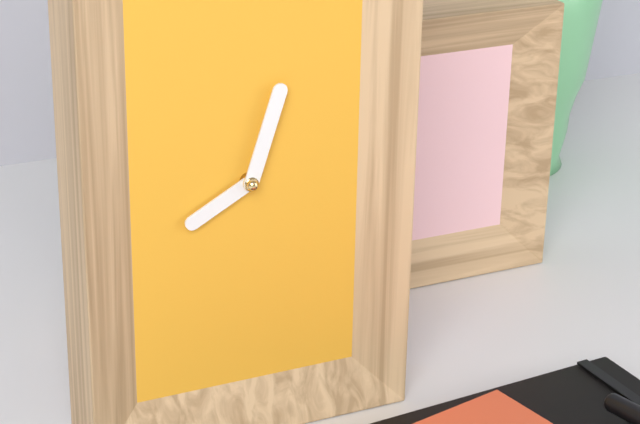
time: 8:03
